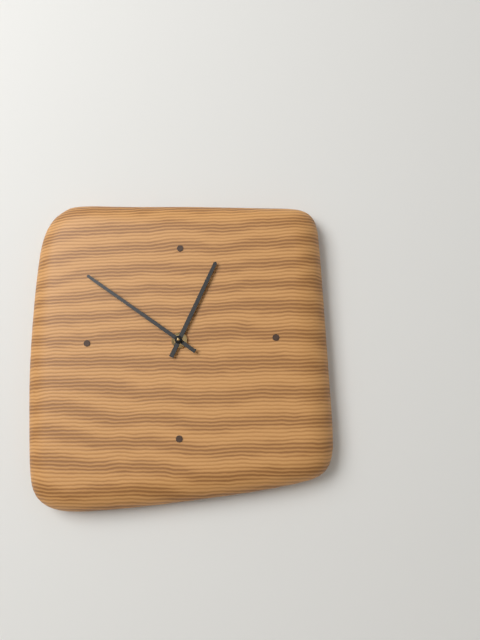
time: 12:51
